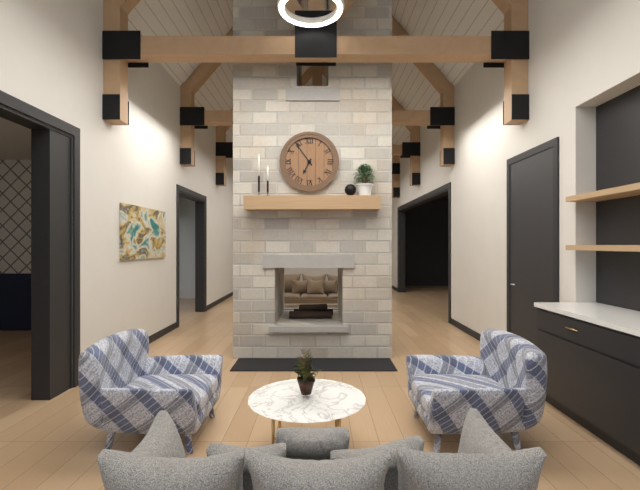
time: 6:54
